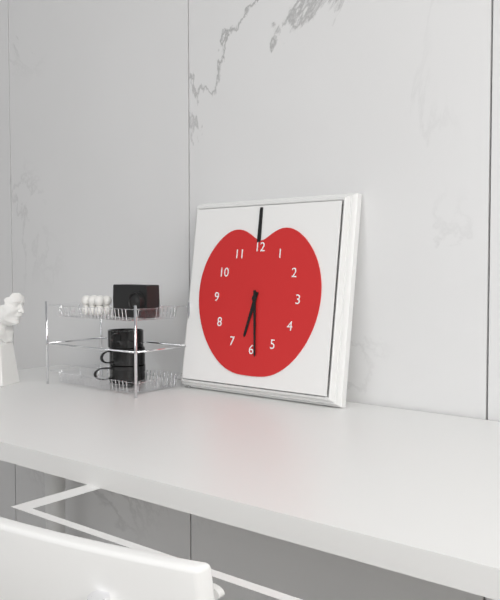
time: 6:29
